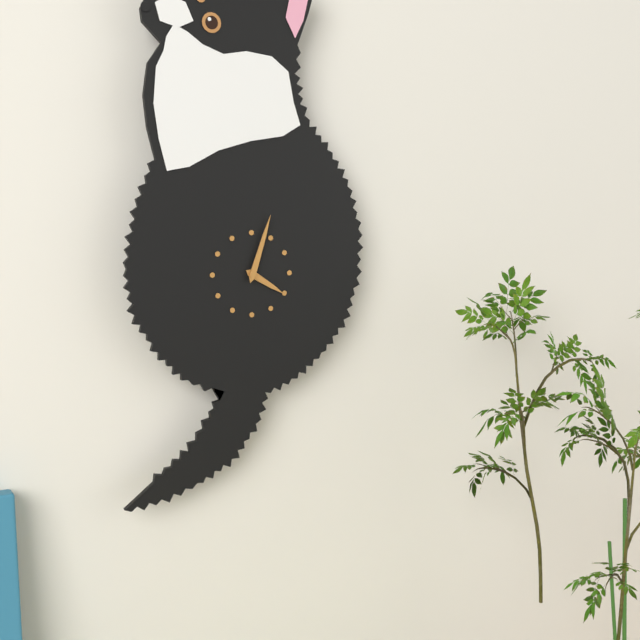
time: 4:03
